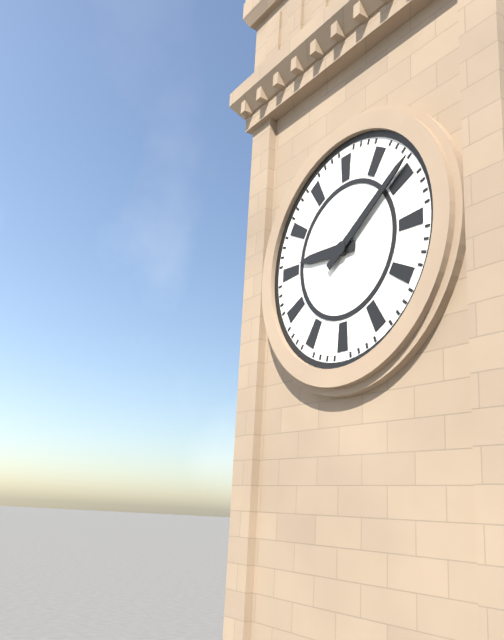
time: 9:09
